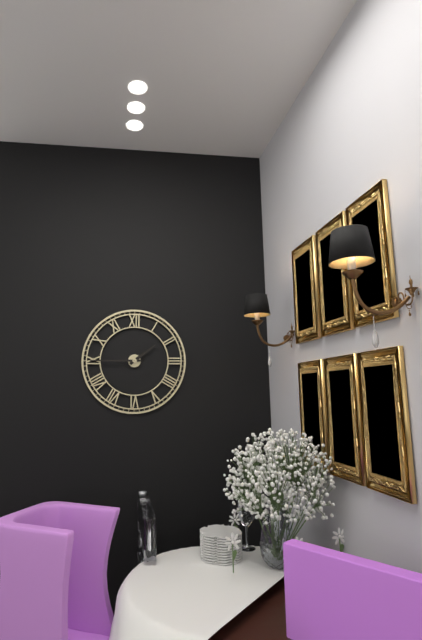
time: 1:45
